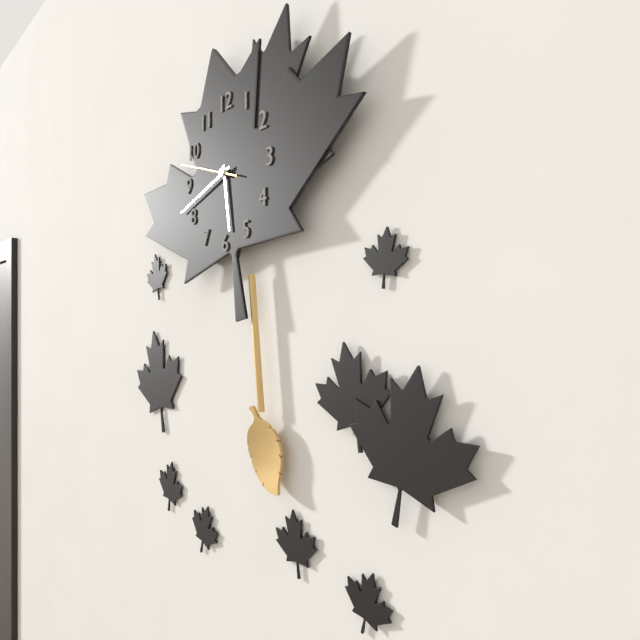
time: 5:42:48
